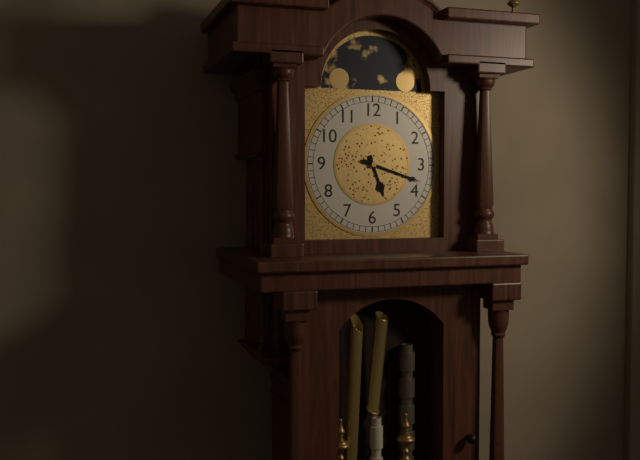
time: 5:18
